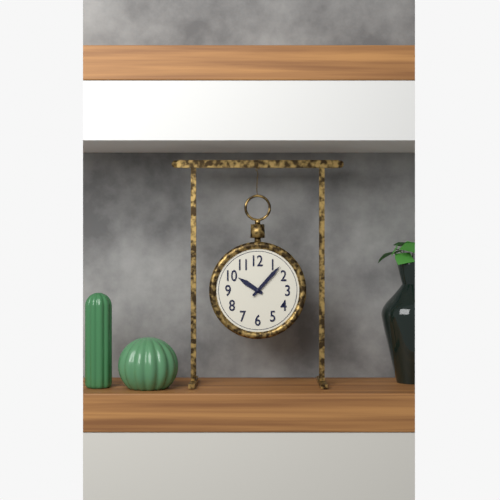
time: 10:07
